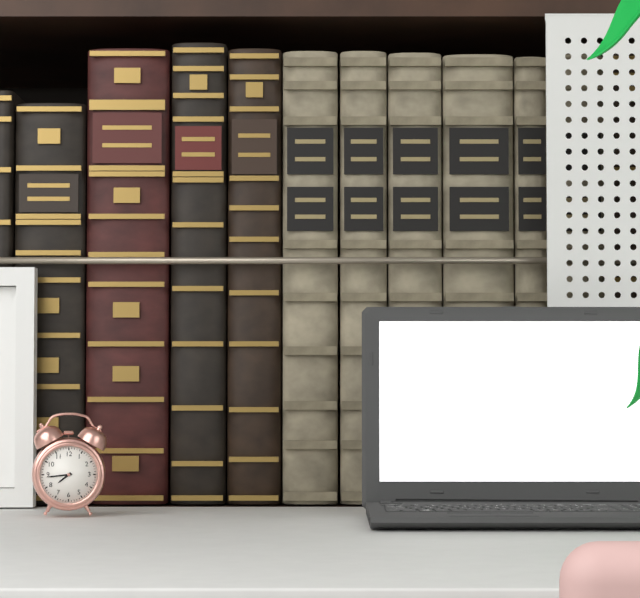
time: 7:44
